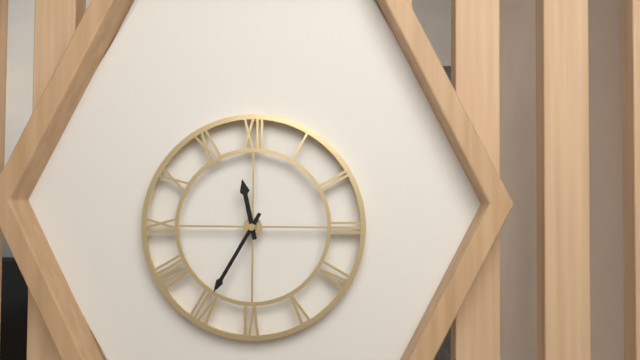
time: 11:35
